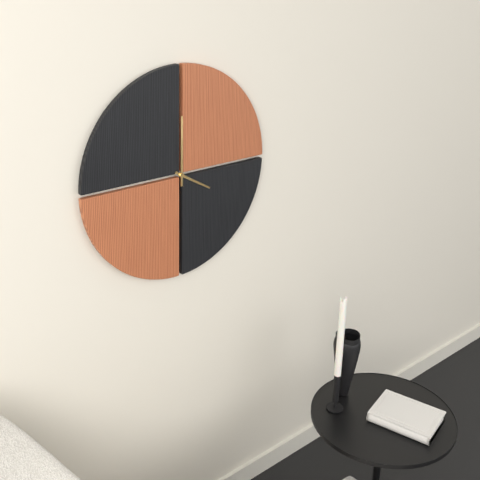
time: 4:00
